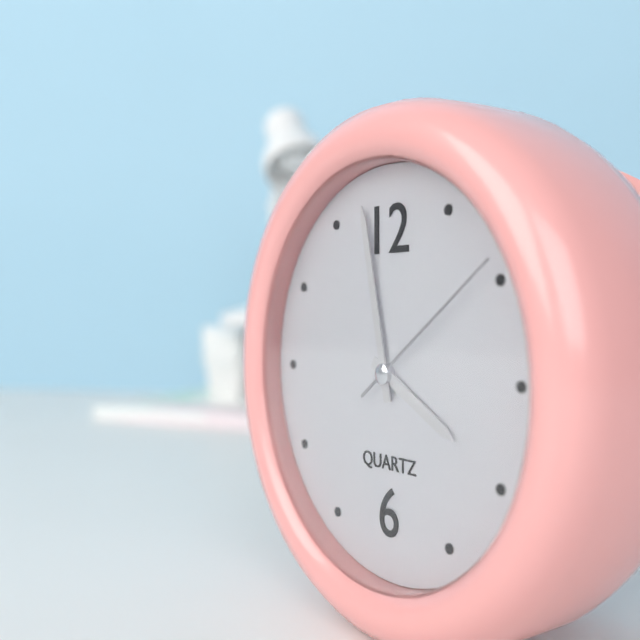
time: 3:58:09
